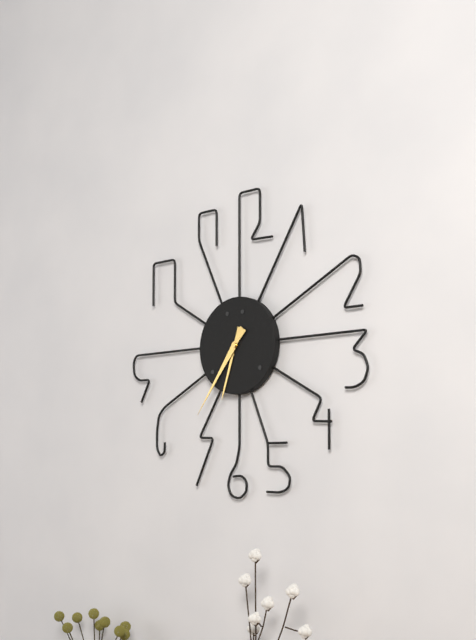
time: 6:36
